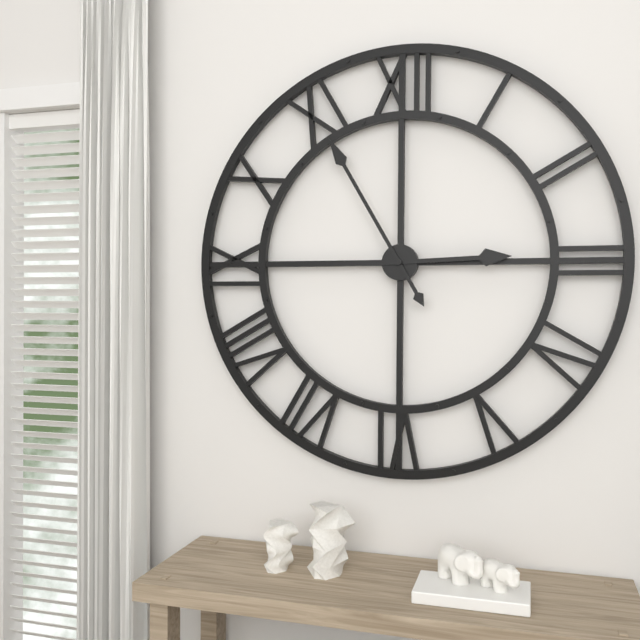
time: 2:55
